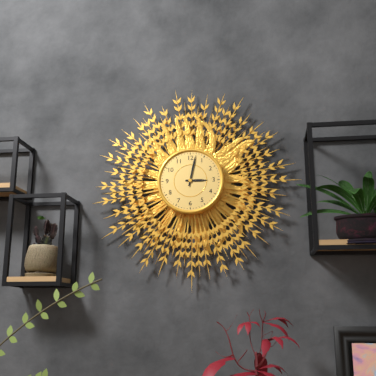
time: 3:02
